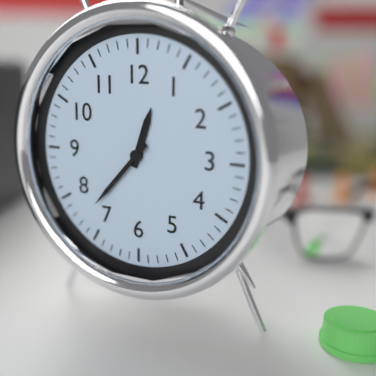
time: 12:37
